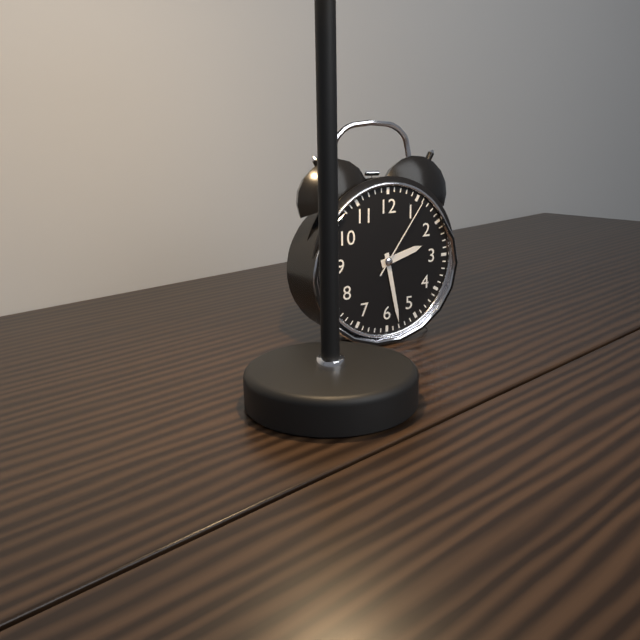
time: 2:28:06
